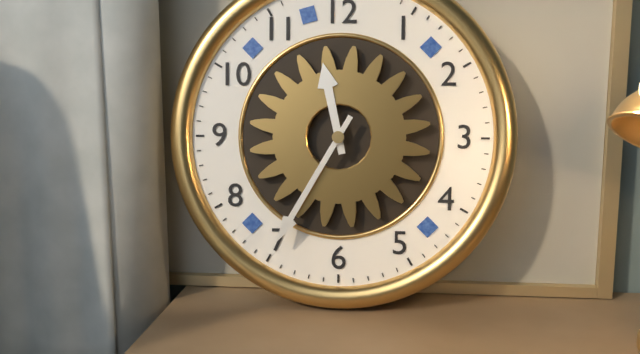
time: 11:35
